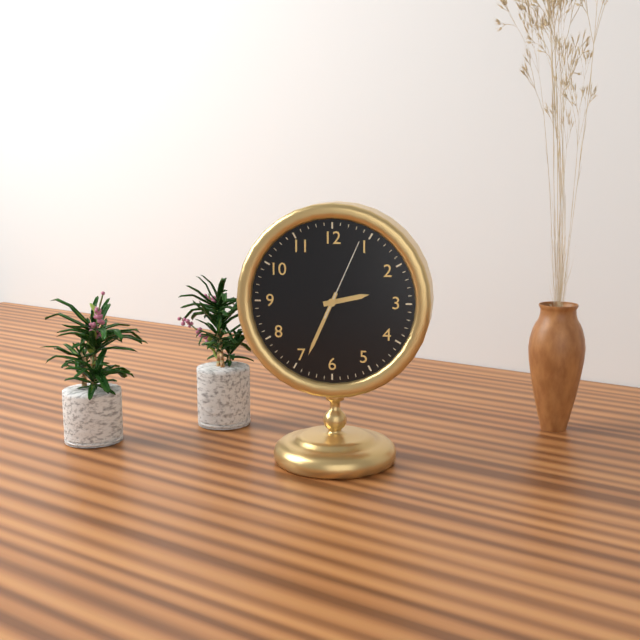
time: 2:34:04
